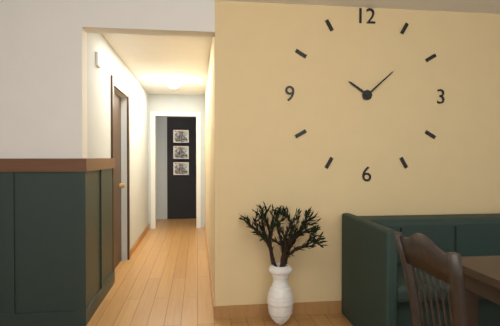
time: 10:08
